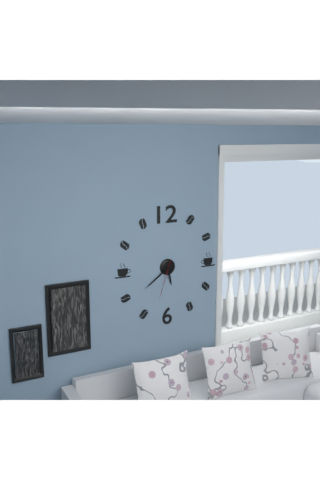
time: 5:39
